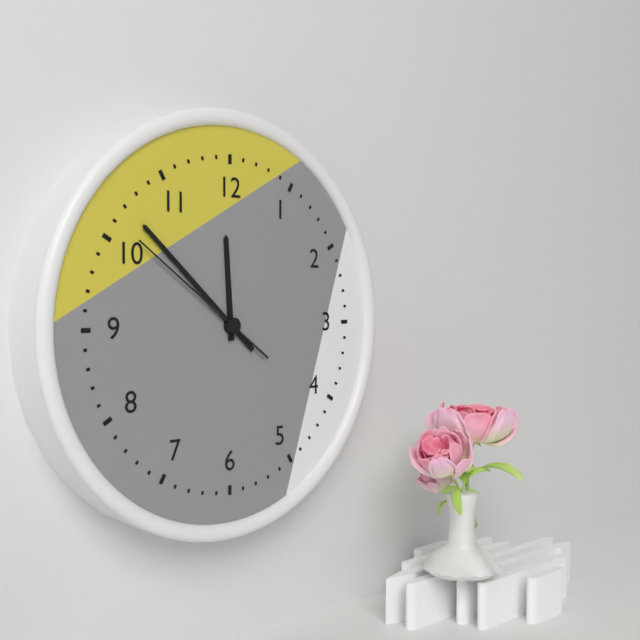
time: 11:52:51
